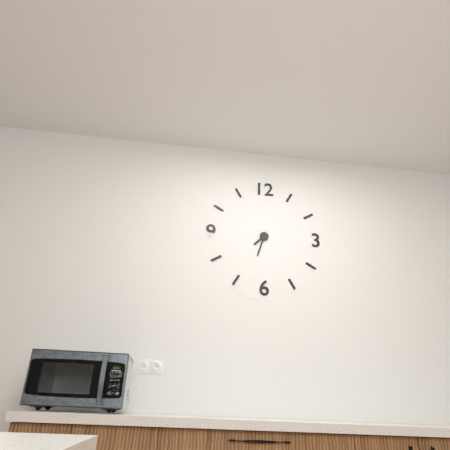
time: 7:33
